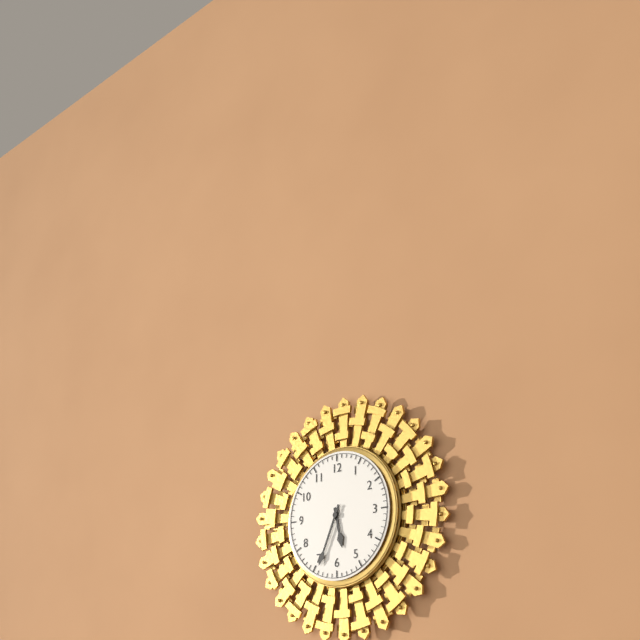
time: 5:34
